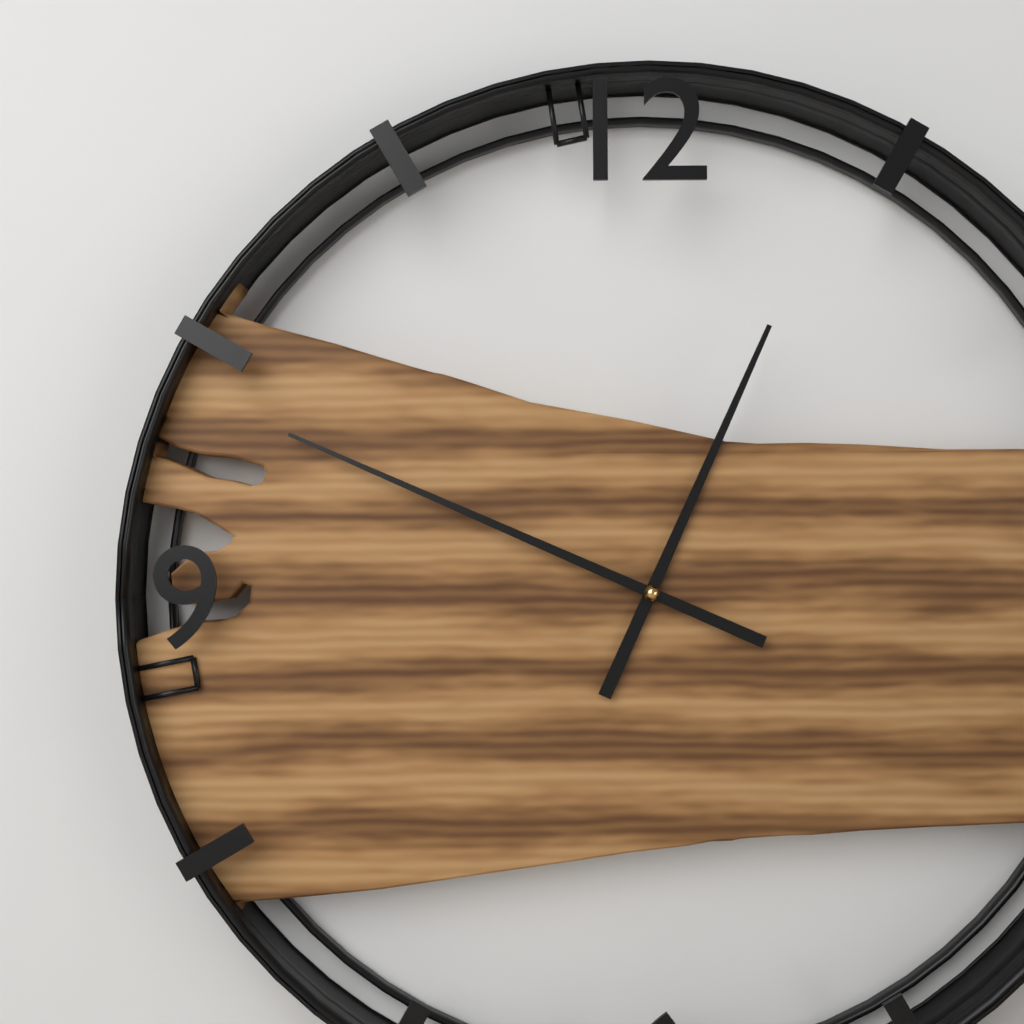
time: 12:49
